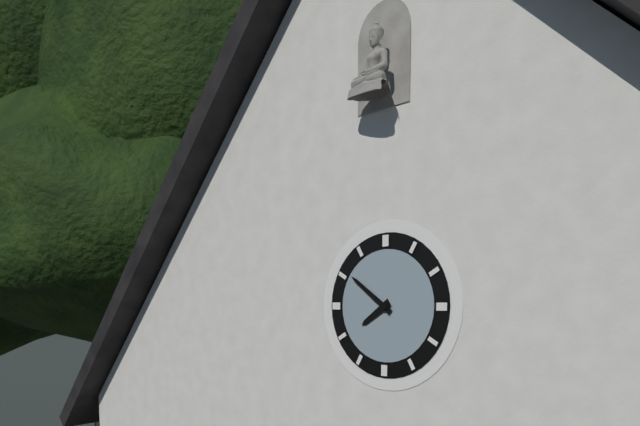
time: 7:51
